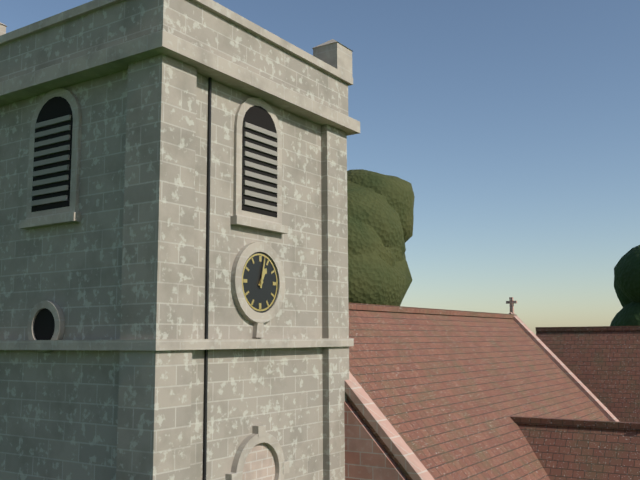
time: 1:02
